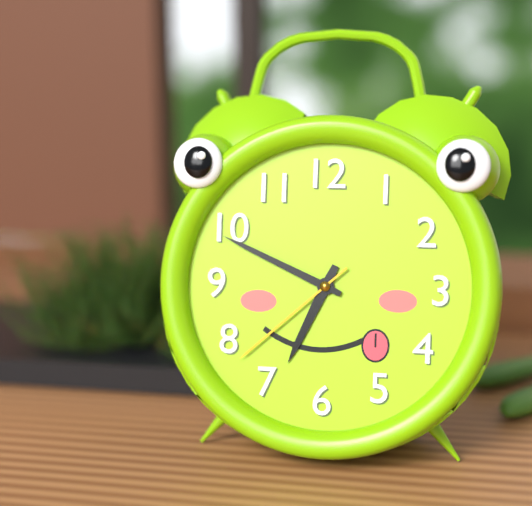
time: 6:49:38
